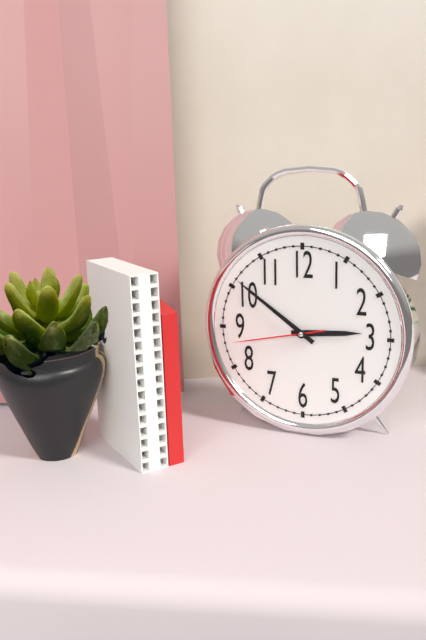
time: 2:51:43
